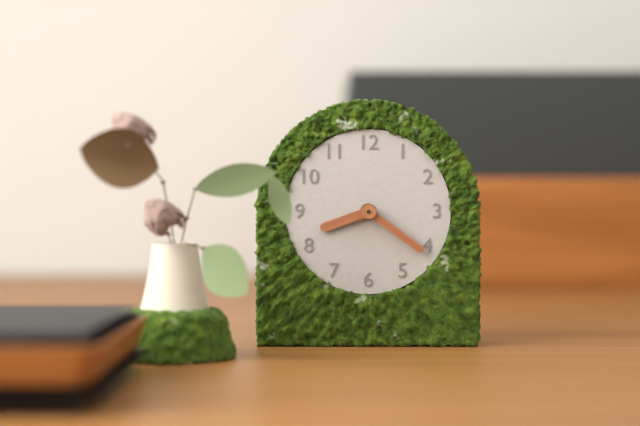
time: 8:21
